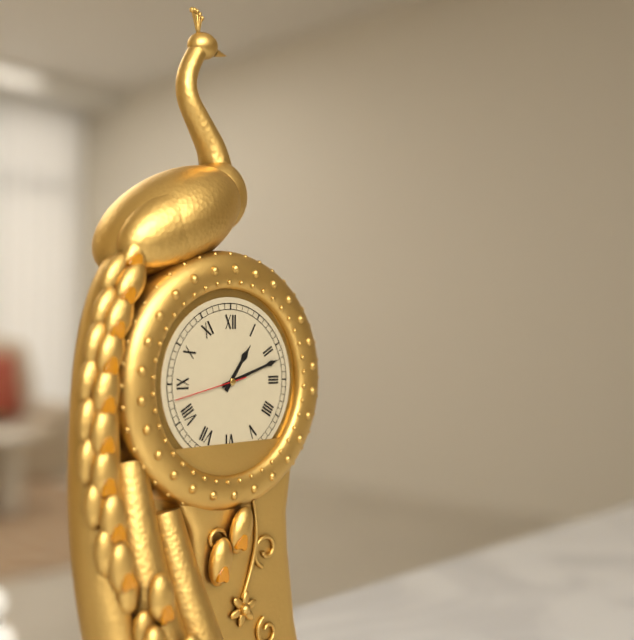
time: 1:12:43
